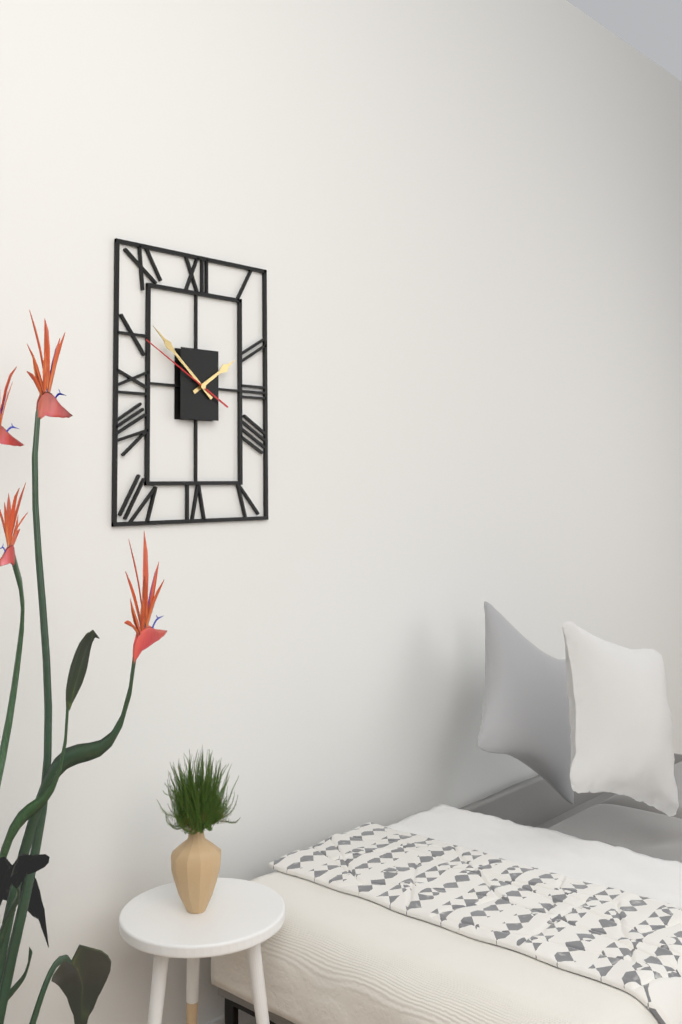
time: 1:52:50
